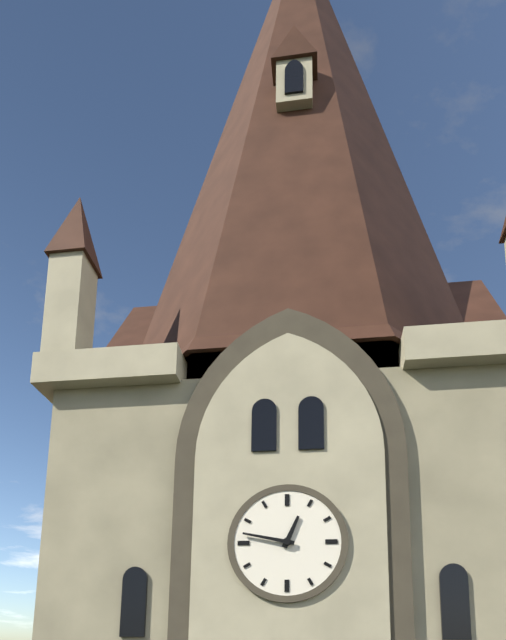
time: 12:47
